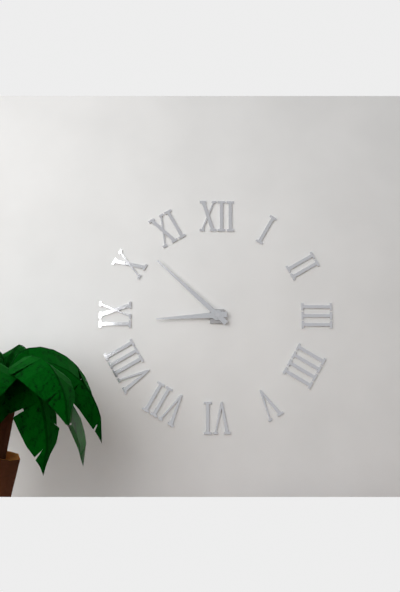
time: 8:52
